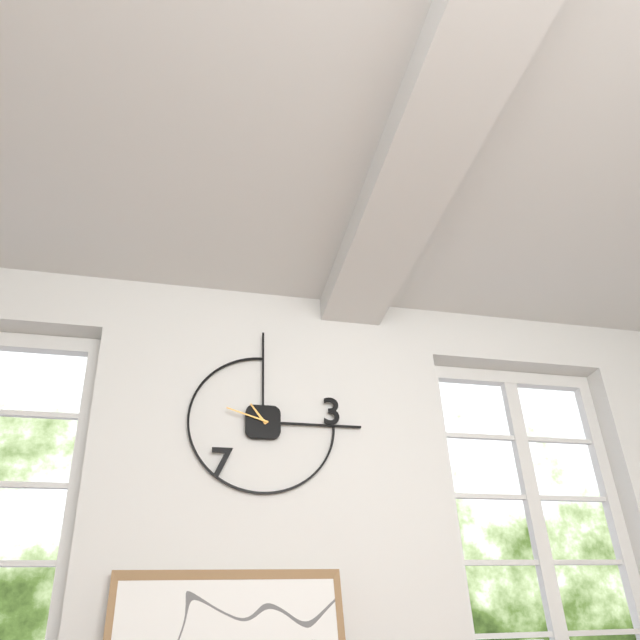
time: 10:48
